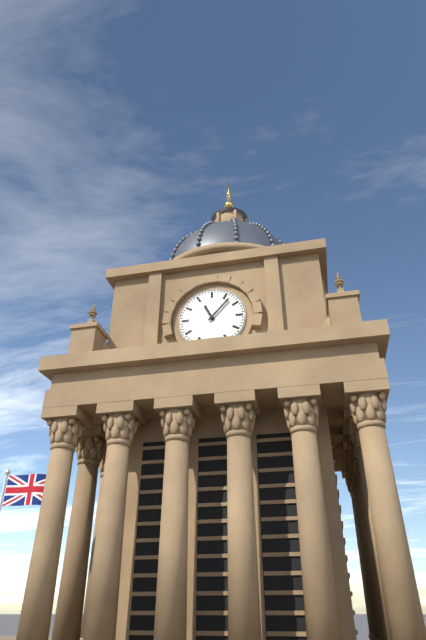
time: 11:07
